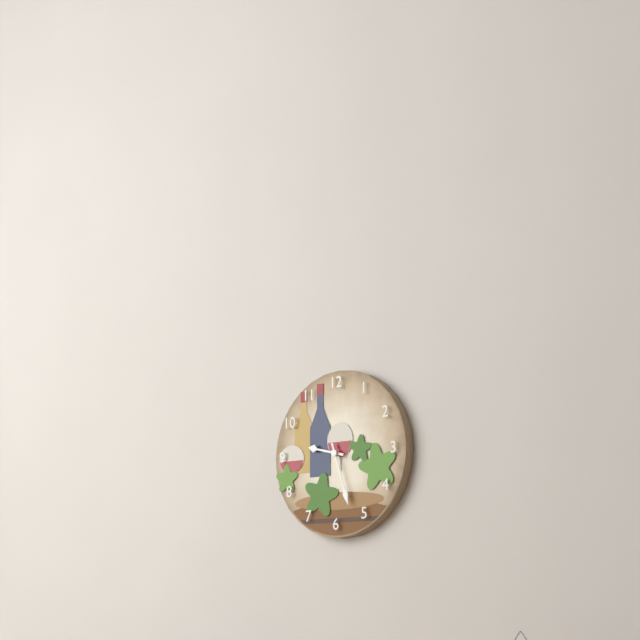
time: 9:27
